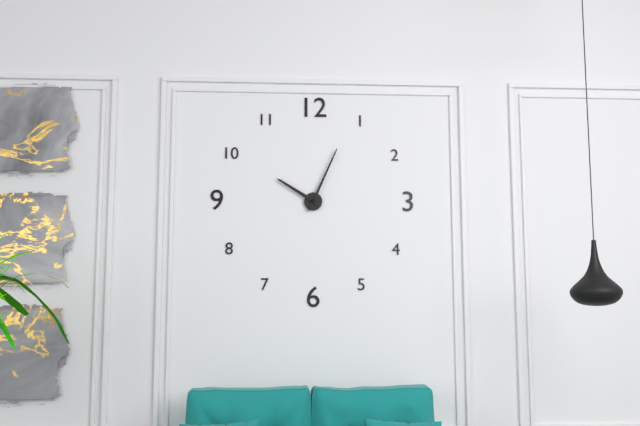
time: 10:04
